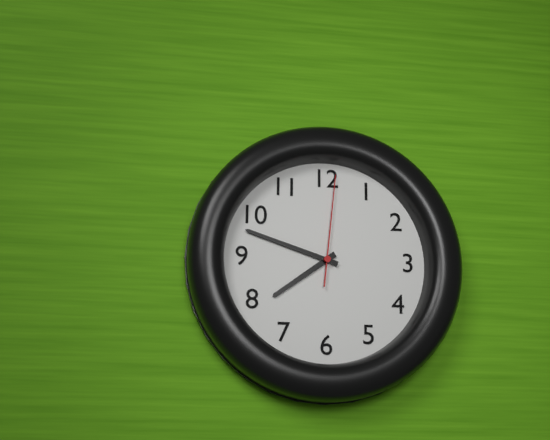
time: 7:48:01
